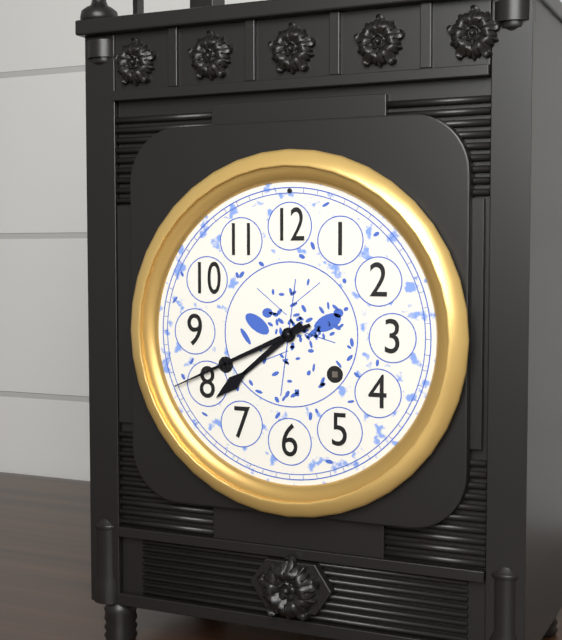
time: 7:41
